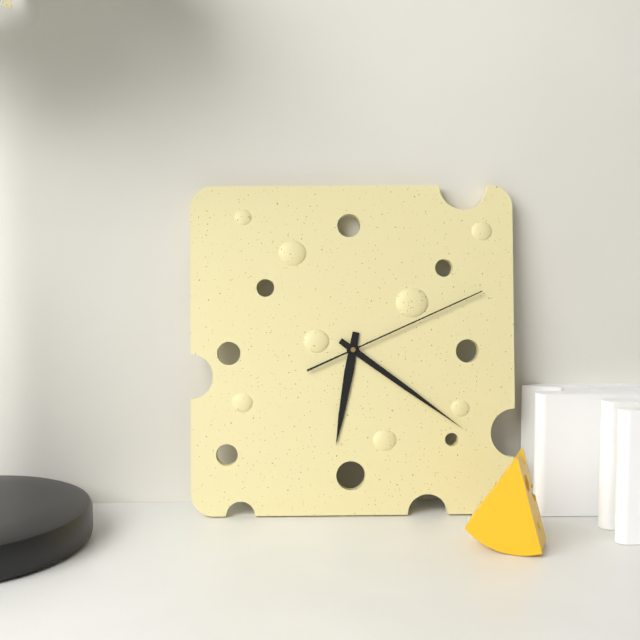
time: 6:21:11
